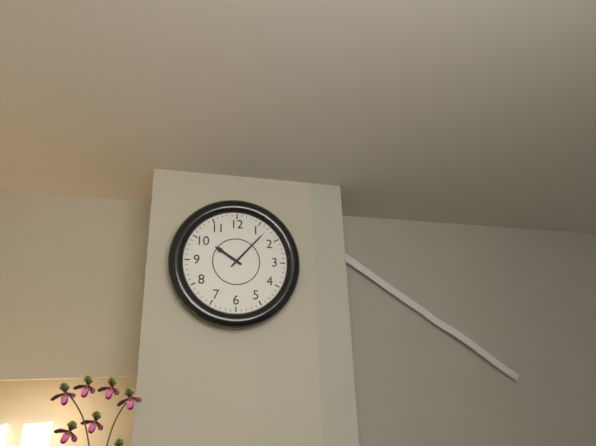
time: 10:07
